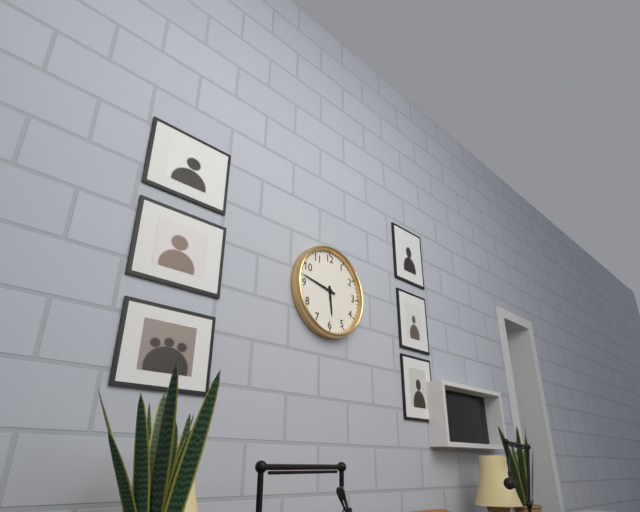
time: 5:47
